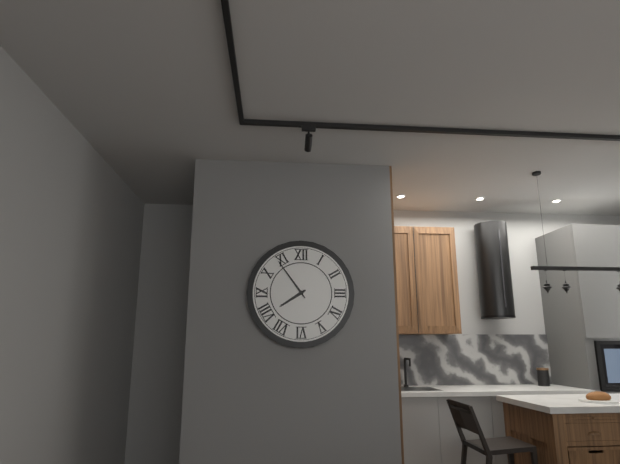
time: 7:54
